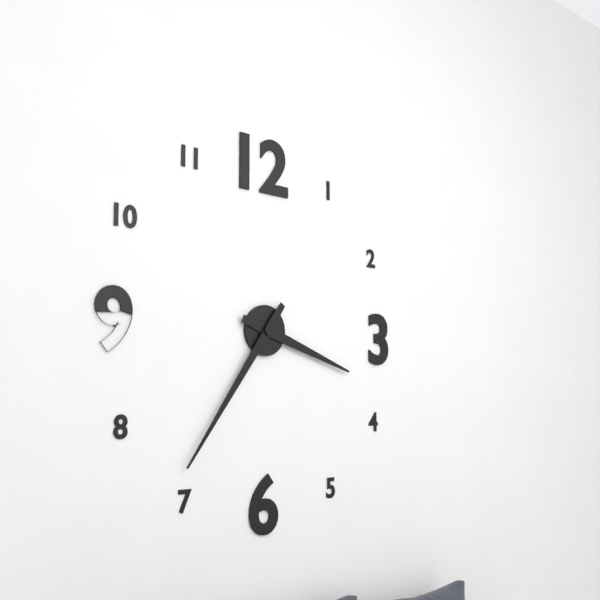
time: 3:36
